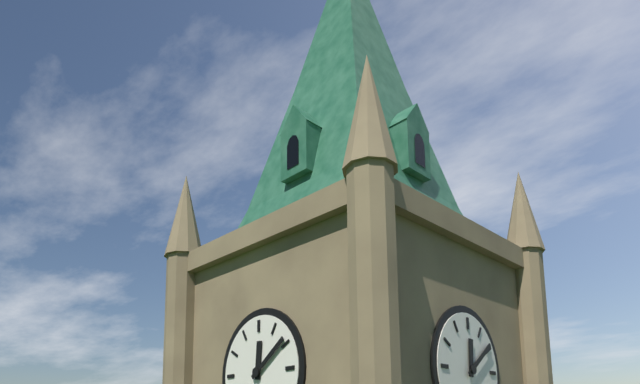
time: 12:09
